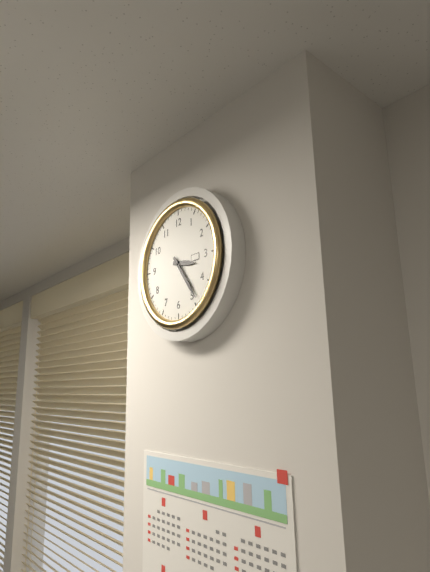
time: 3:24
